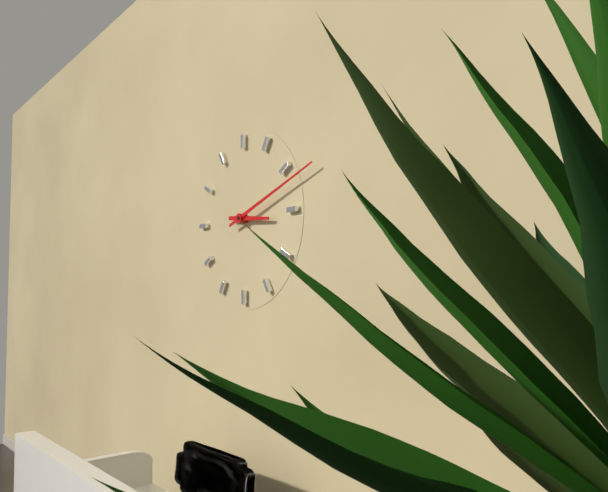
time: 3:12
